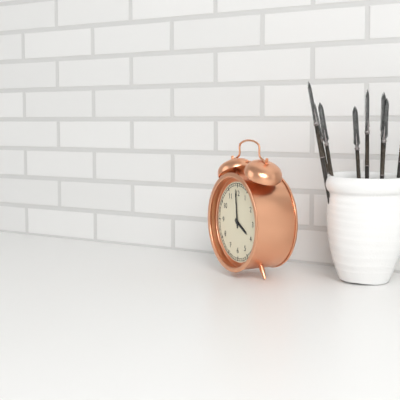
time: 3:59
